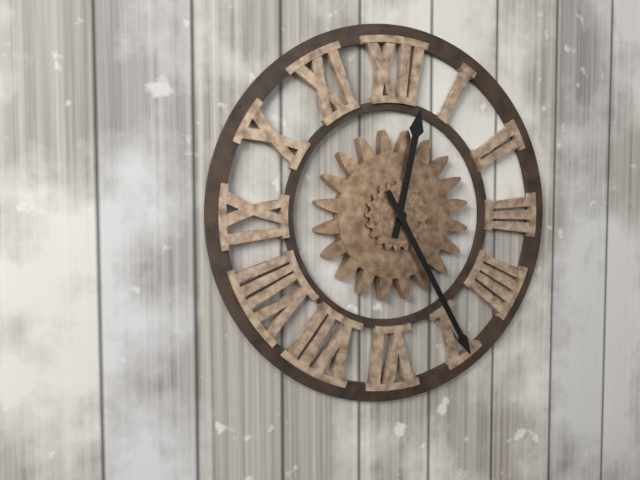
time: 12:25
